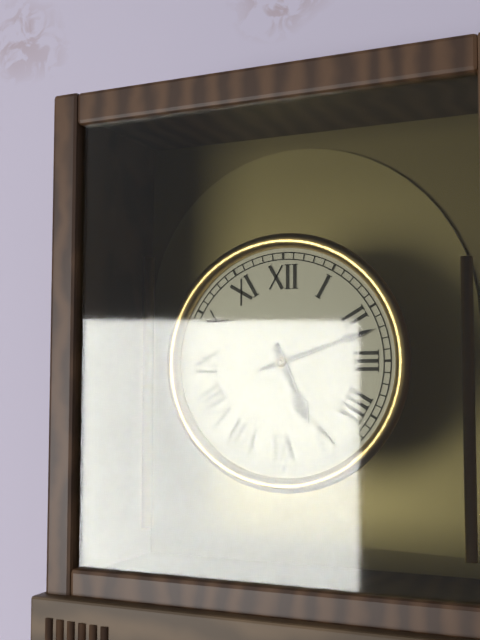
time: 5:12
